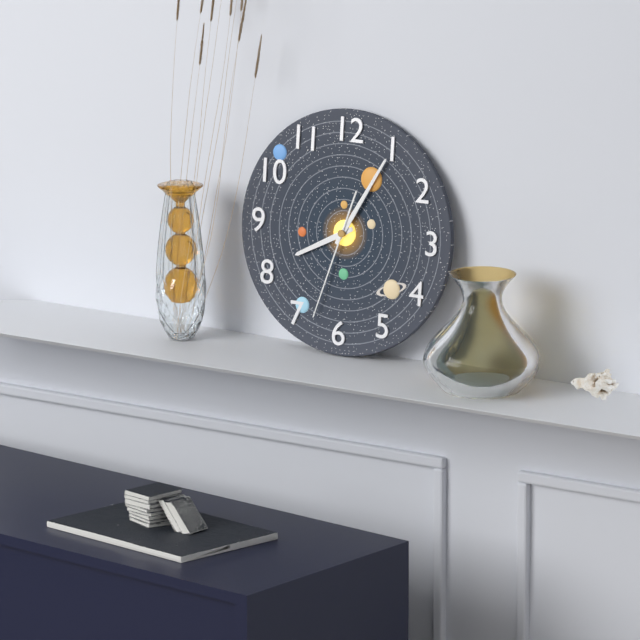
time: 8:05:33
